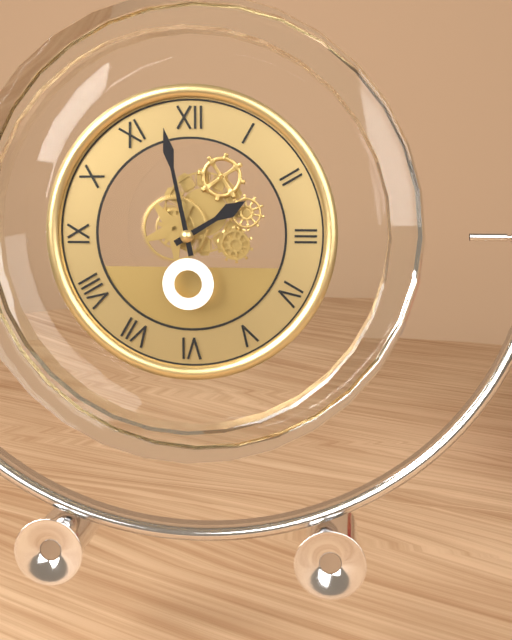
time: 1:58
